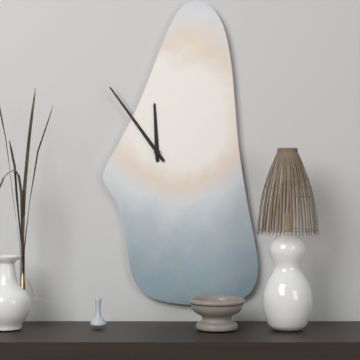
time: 11:54
